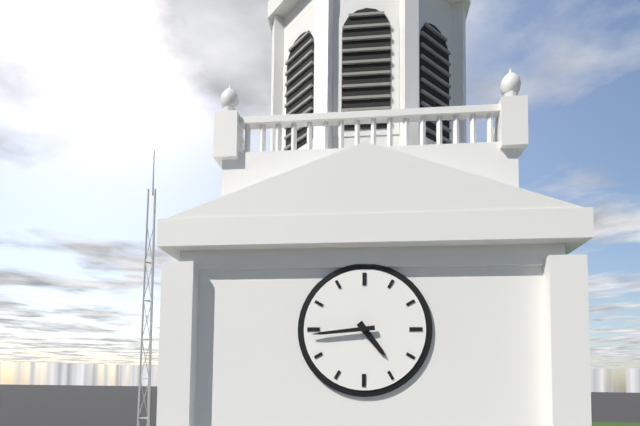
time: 4:44
